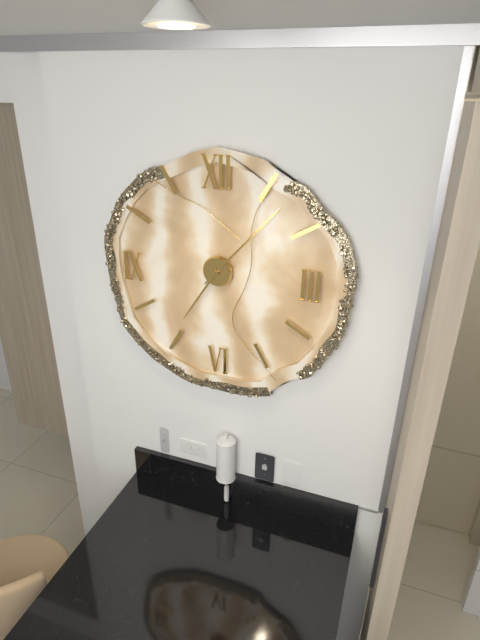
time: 7:07
